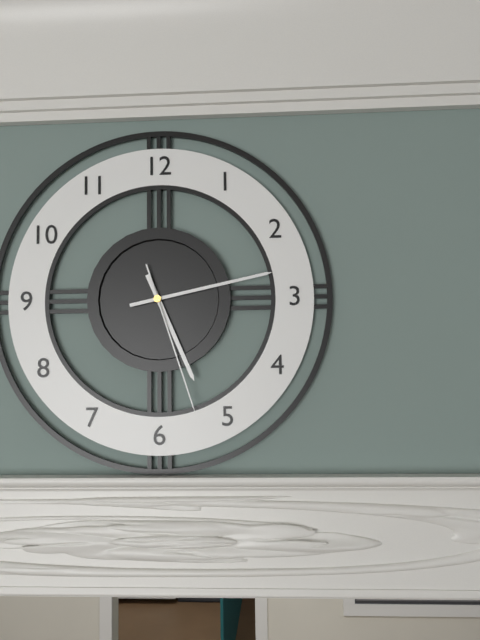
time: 5:13:27
